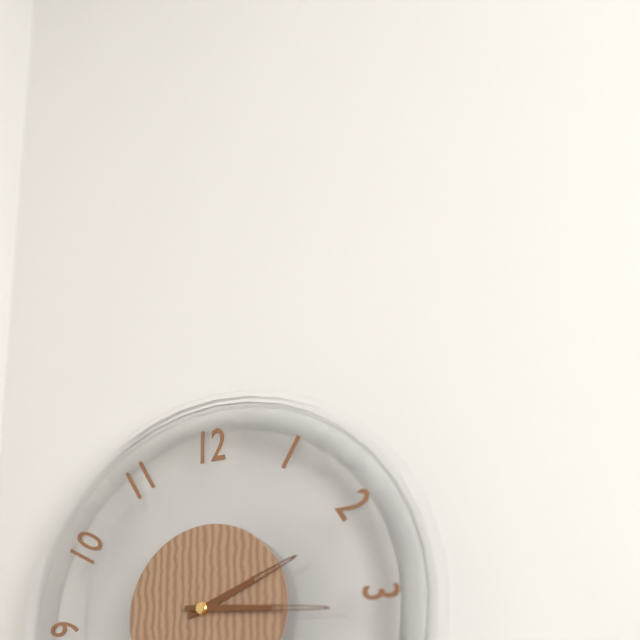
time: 2:16
